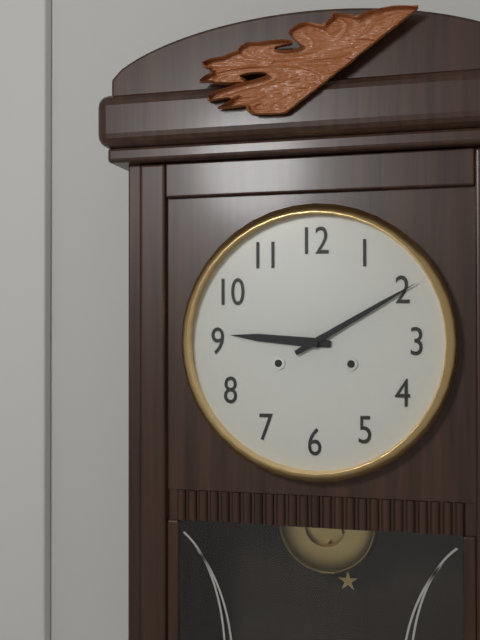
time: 9:10
